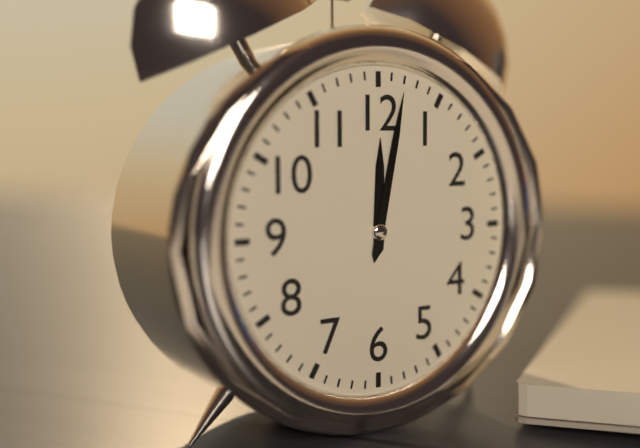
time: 12:02
